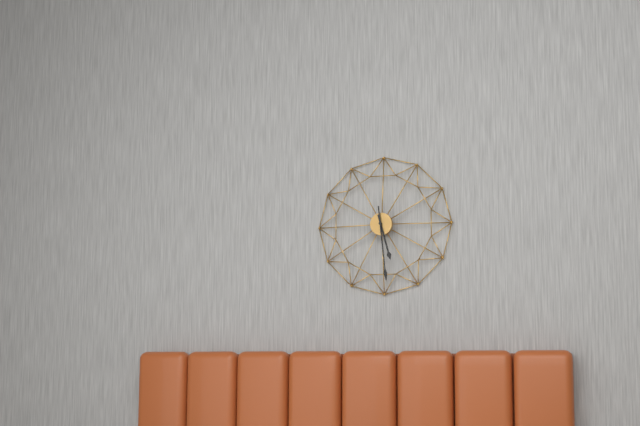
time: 5:29
